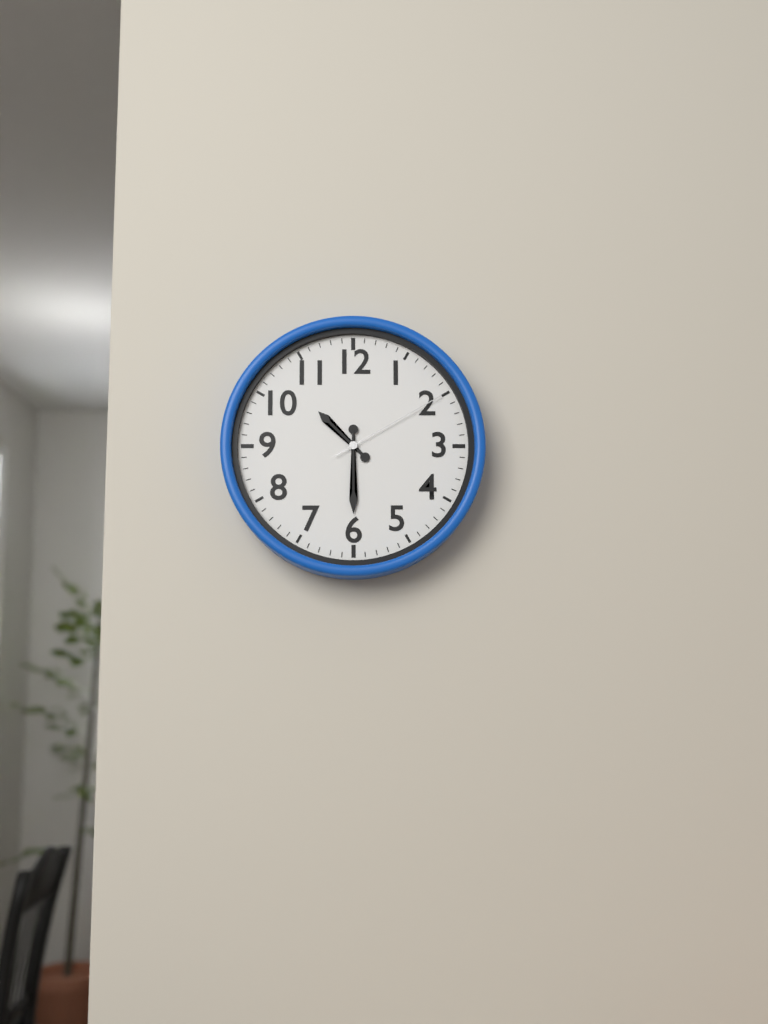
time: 10:30:10
